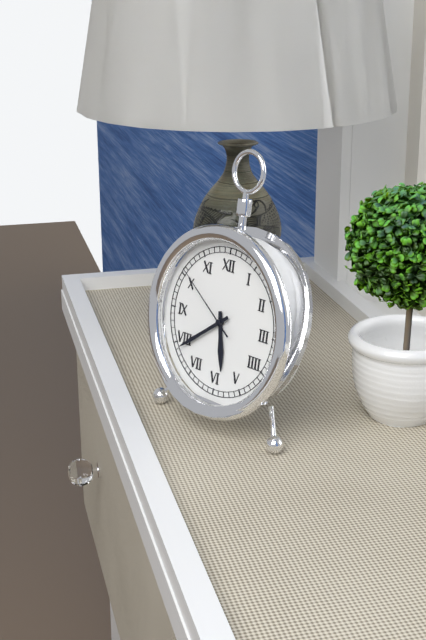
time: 5:39:51
